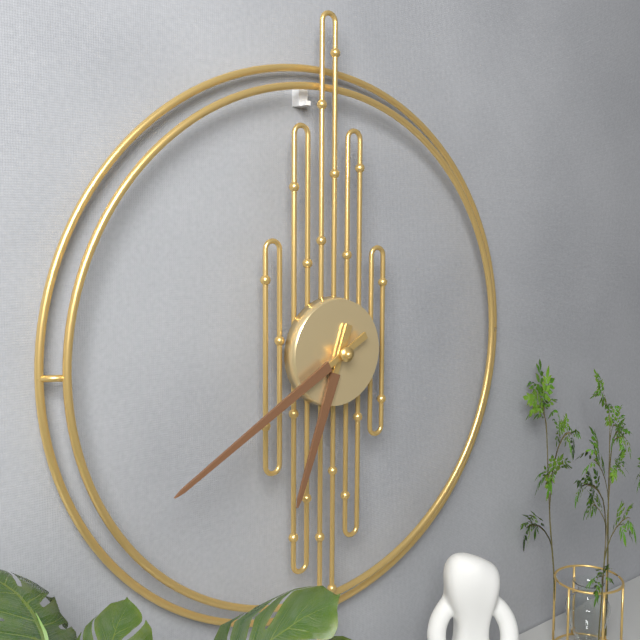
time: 6:40
